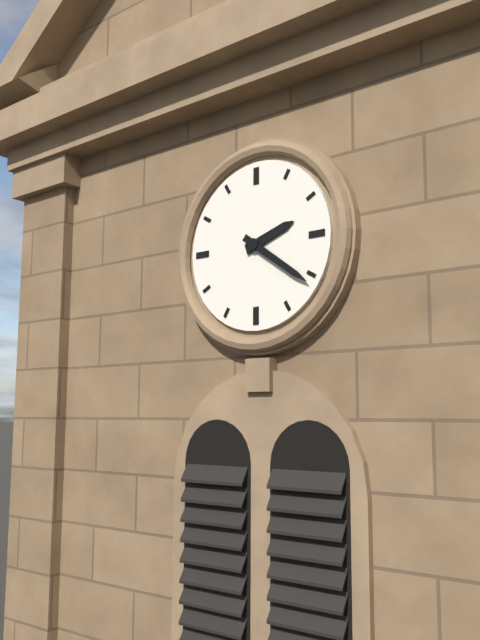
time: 2:21
